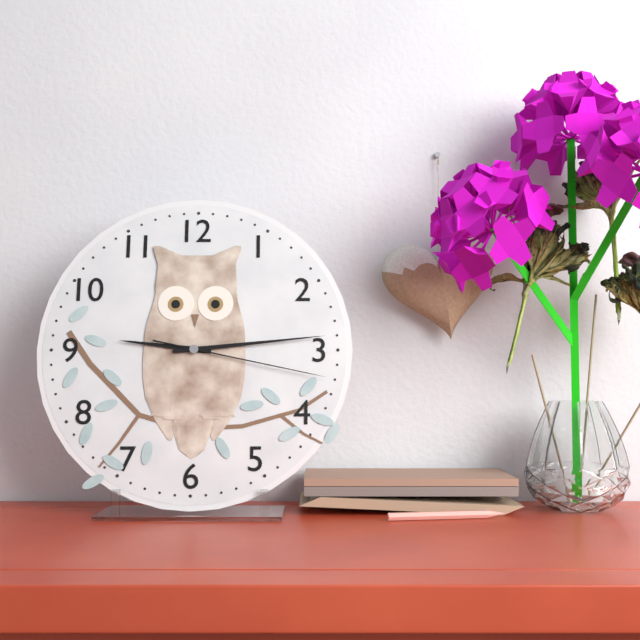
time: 9:14:17
